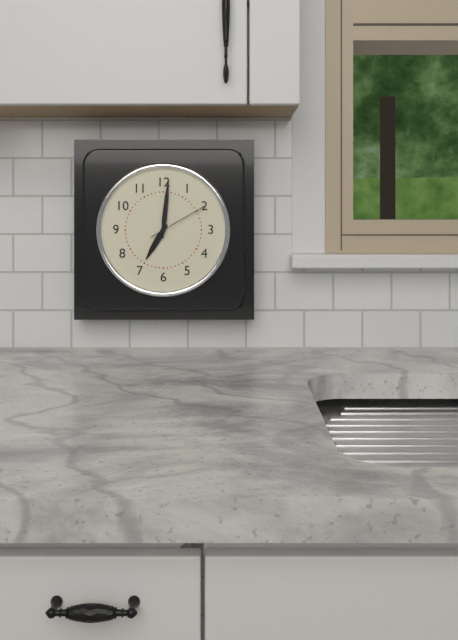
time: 7:01:10
